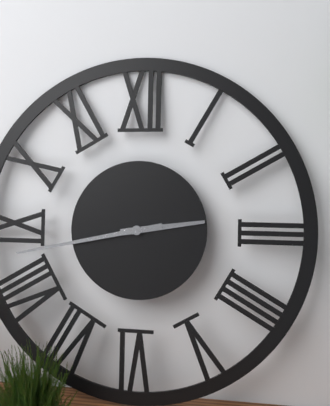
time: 2:43
